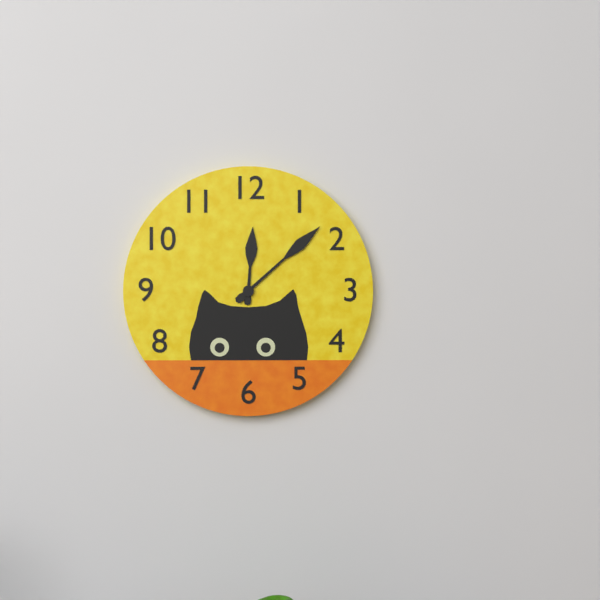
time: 12:08
